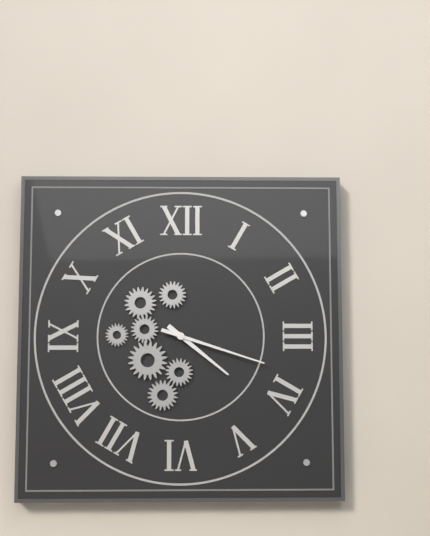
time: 4:18
